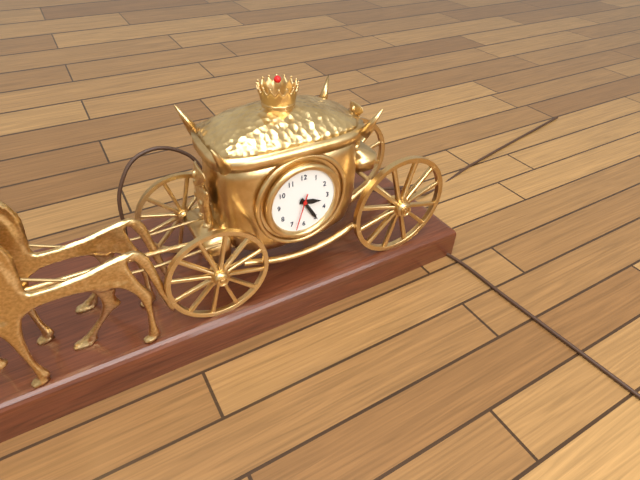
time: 3:25
